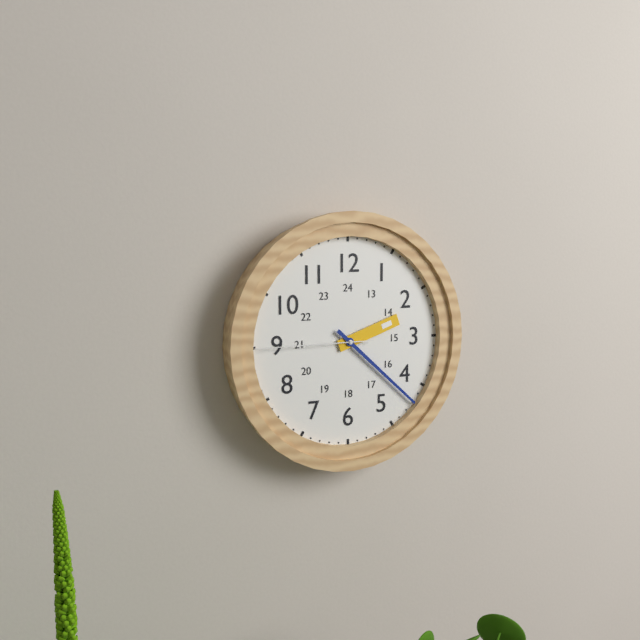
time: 2:22:45
